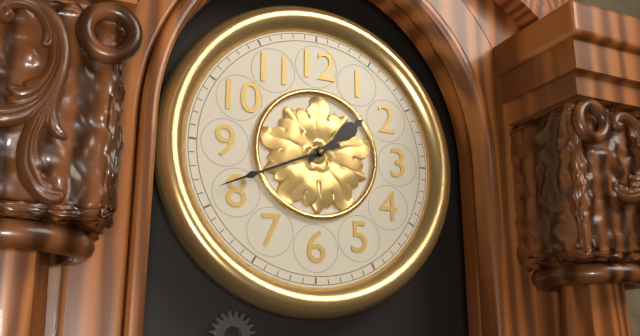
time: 1:41
